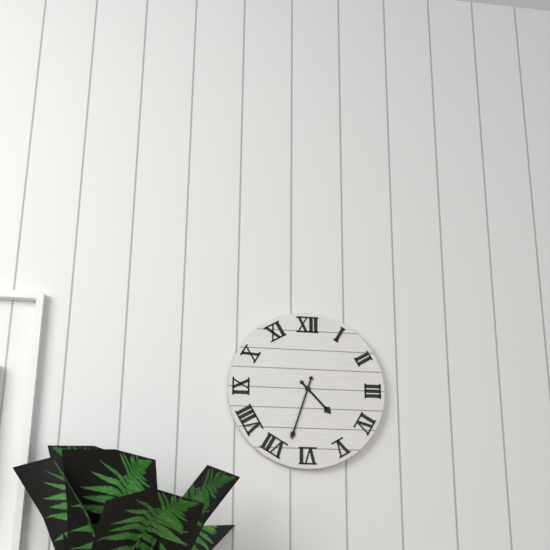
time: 4:33
